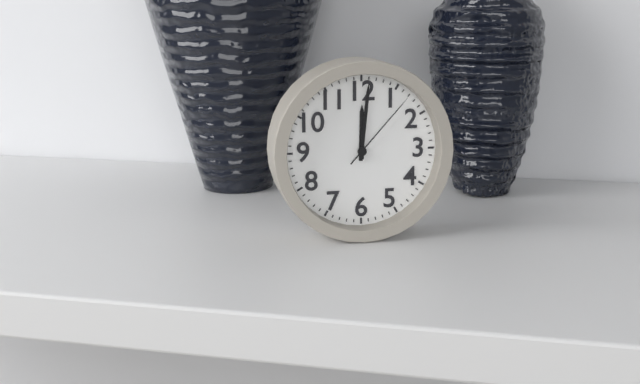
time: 12:01:07
